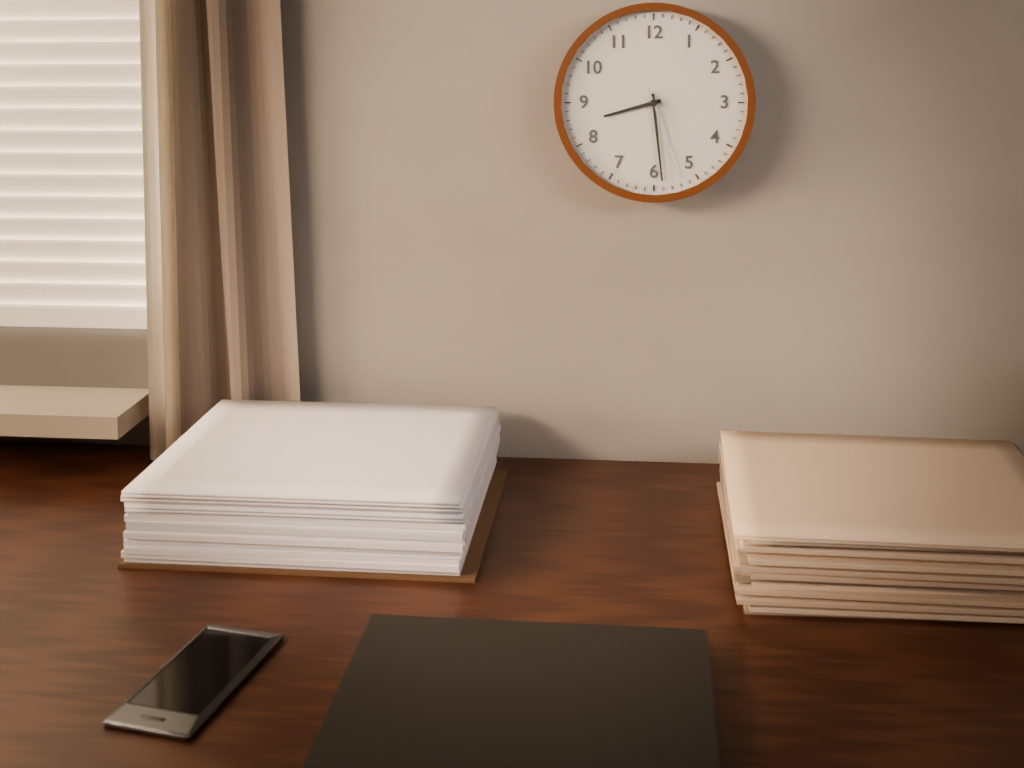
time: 8:29:27
